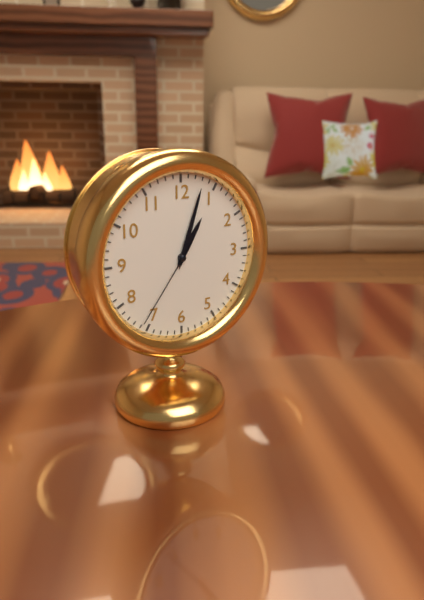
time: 1:03:36
